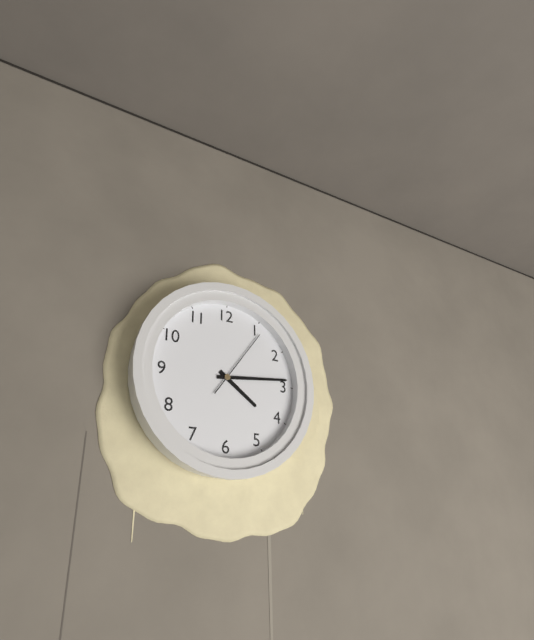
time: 4:14:06
